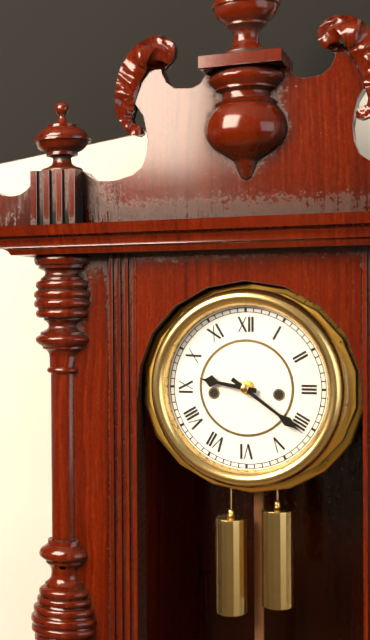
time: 9:21
